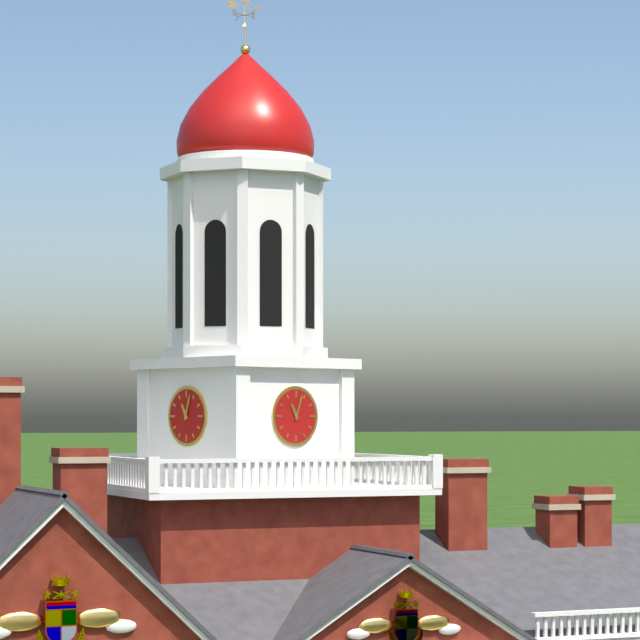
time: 11:03
